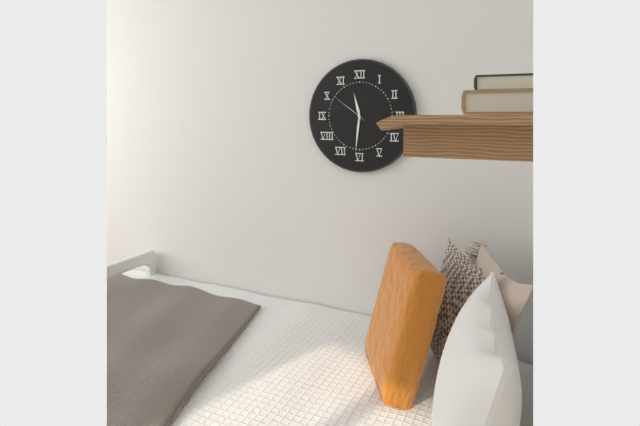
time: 11:31
